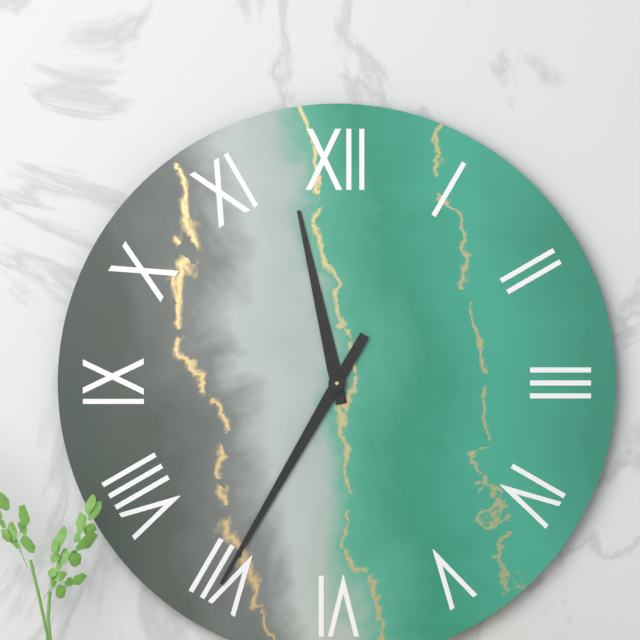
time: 11:35
